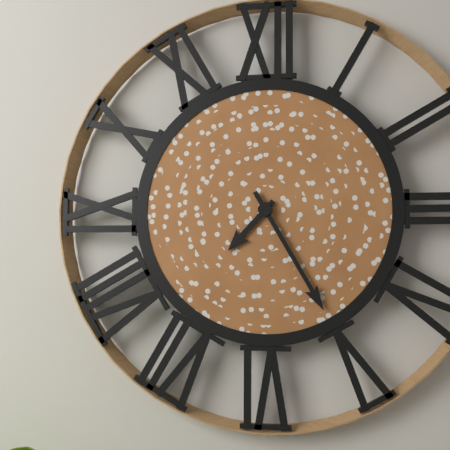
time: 7:25
